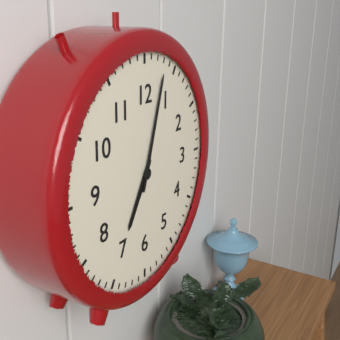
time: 7:03
